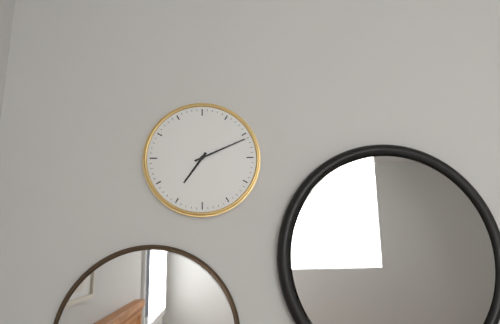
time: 7:11
